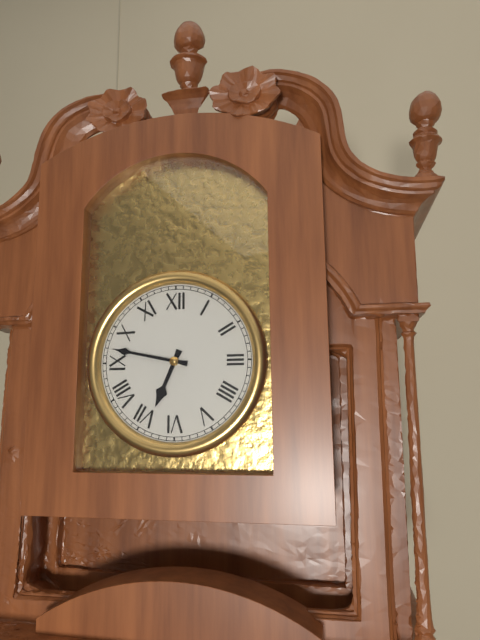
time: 6:47
